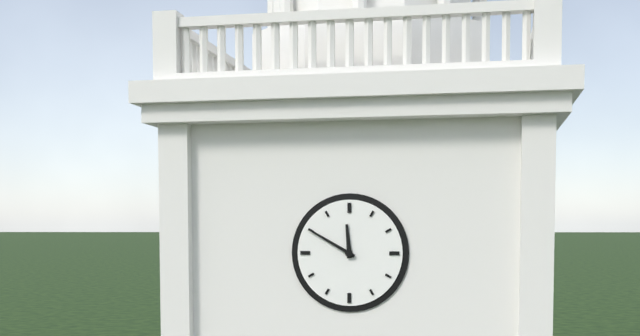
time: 11:50
